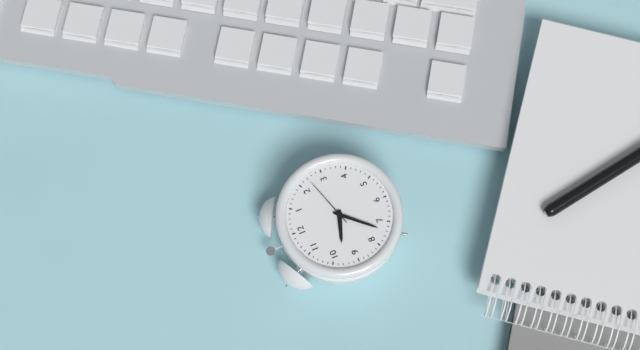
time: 9:37:12
